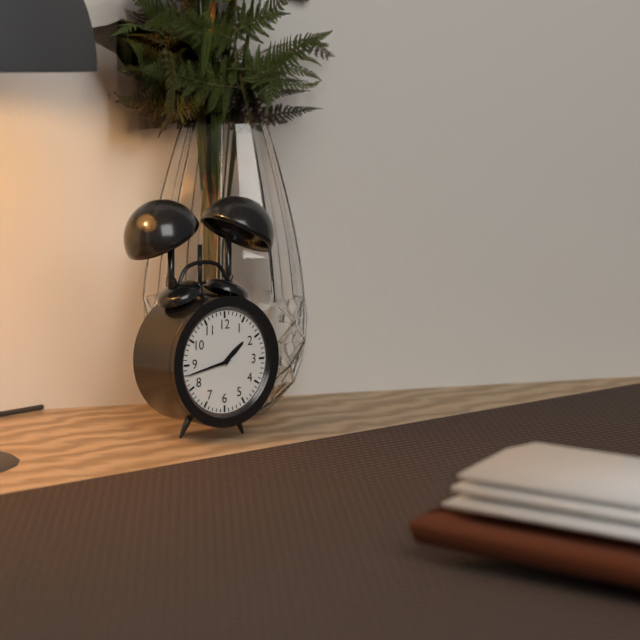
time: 1:43
